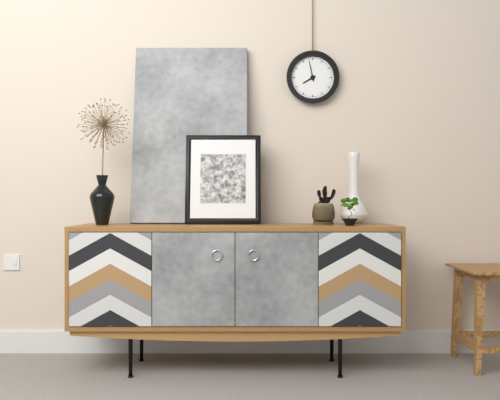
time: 7:58
